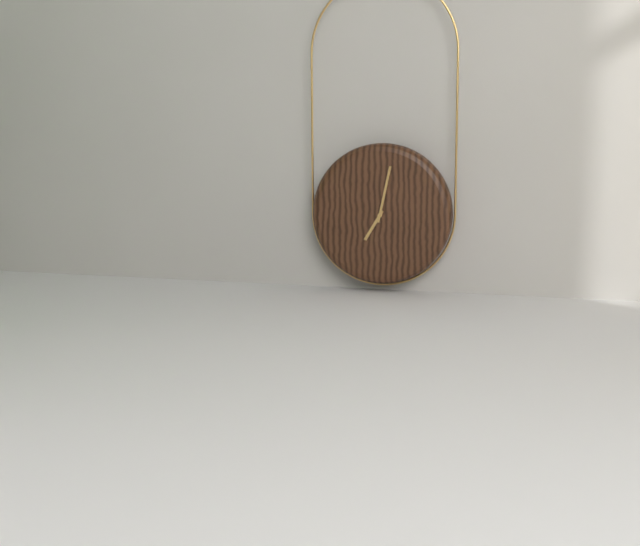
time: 7:02
